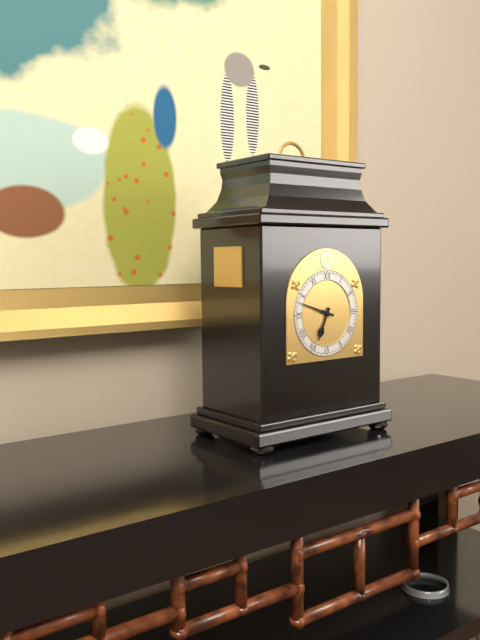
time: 6:48
